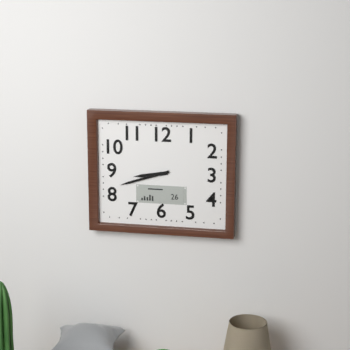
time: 8:42
